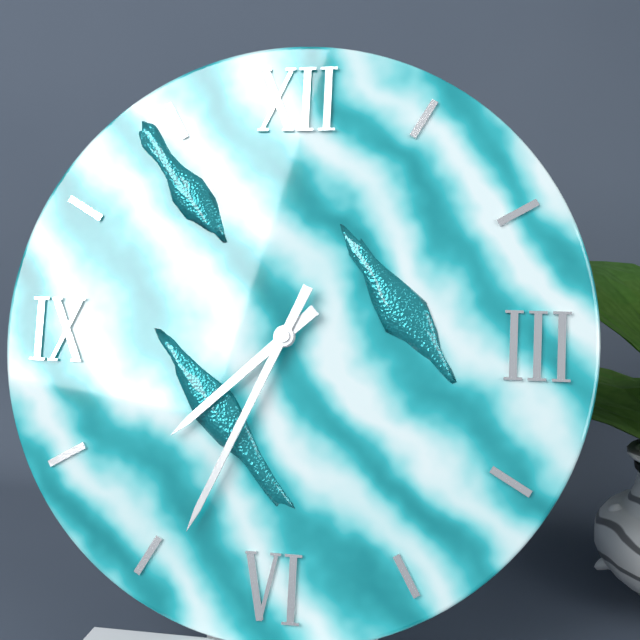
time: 7:34
